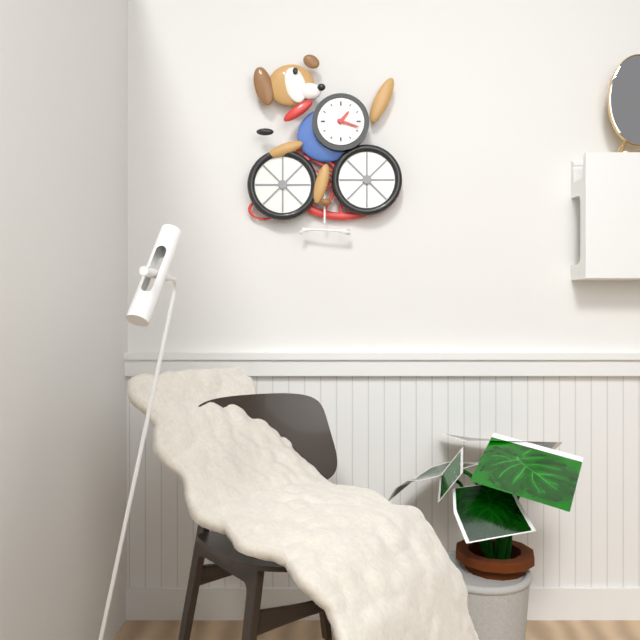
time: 1:18
